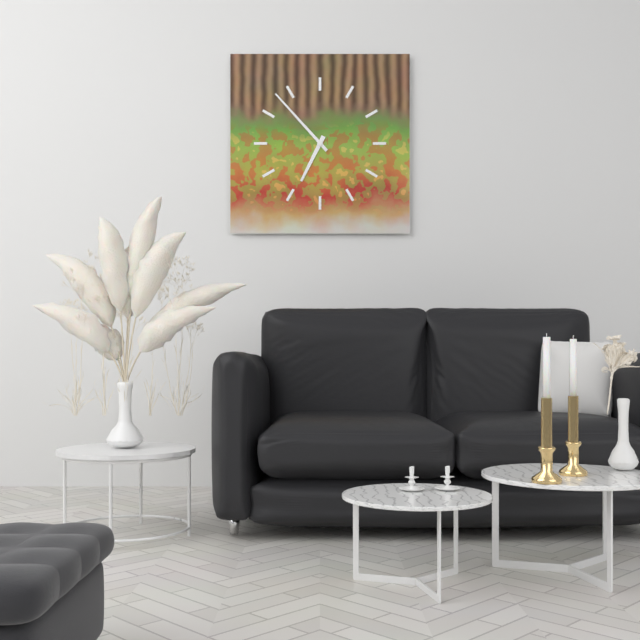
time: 6:53
